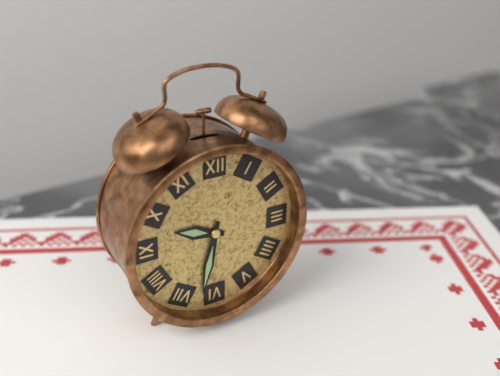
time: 9:32
